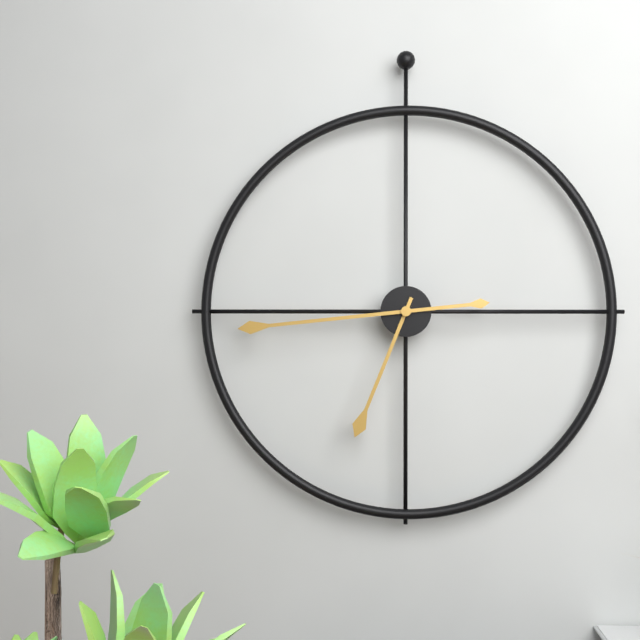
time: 6:44
